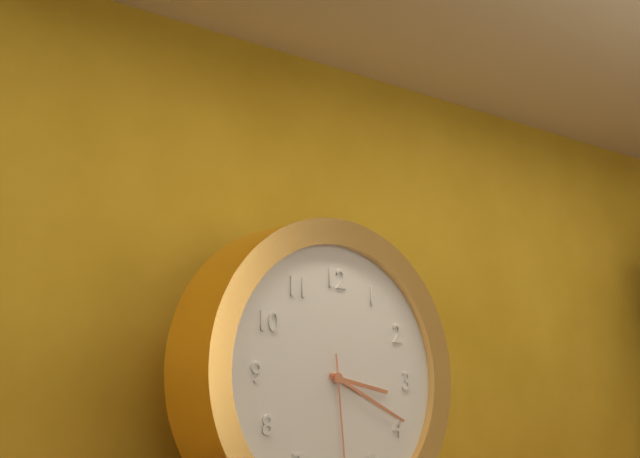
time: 3:19
